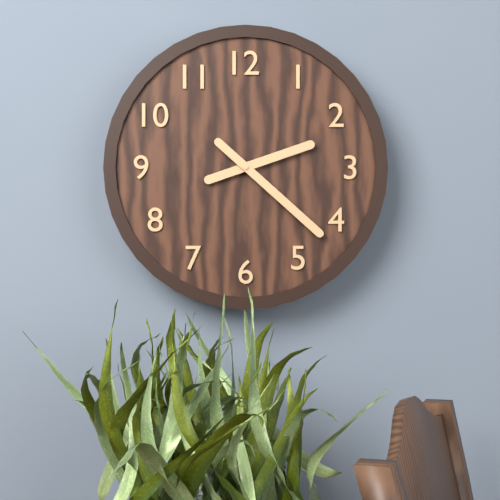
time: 2:22
